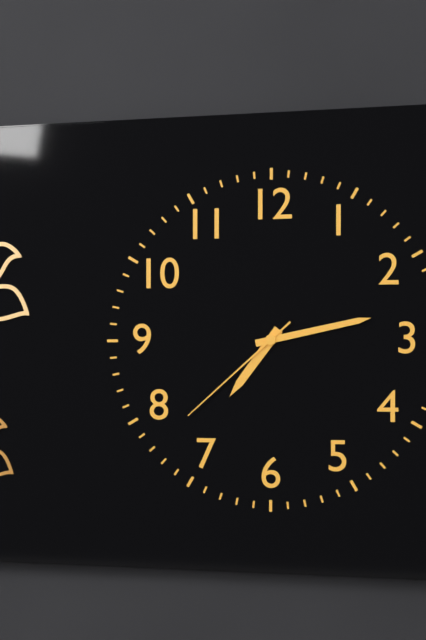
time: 7:13:38
